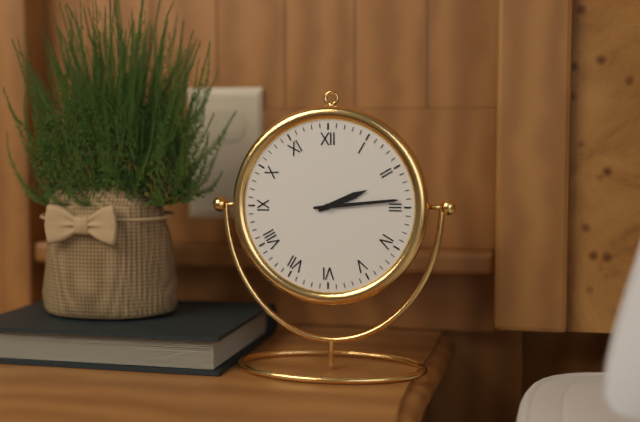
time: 2:14
